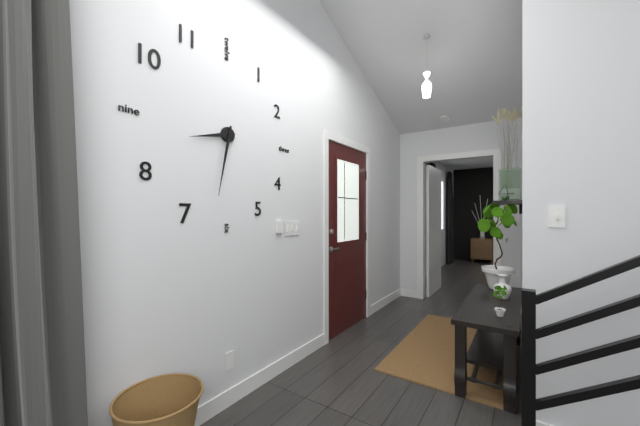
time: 8:32
